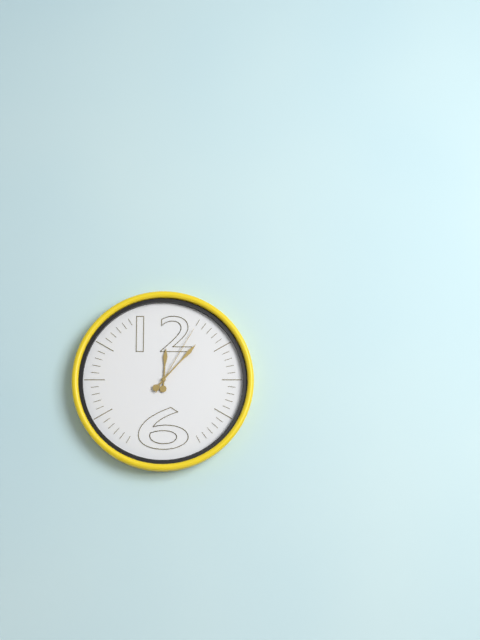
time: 12:07:05
